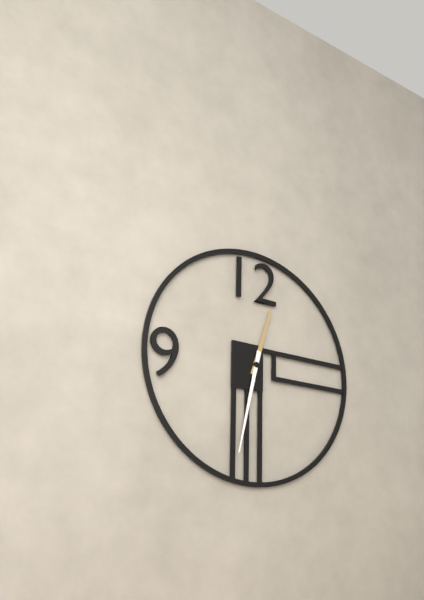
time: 12:32
